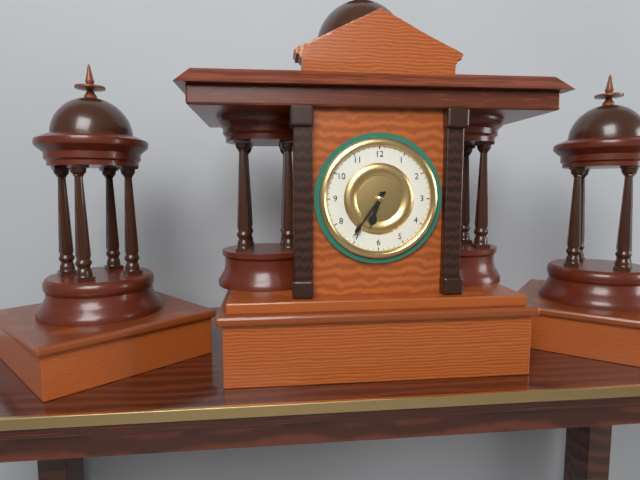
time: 6:36
